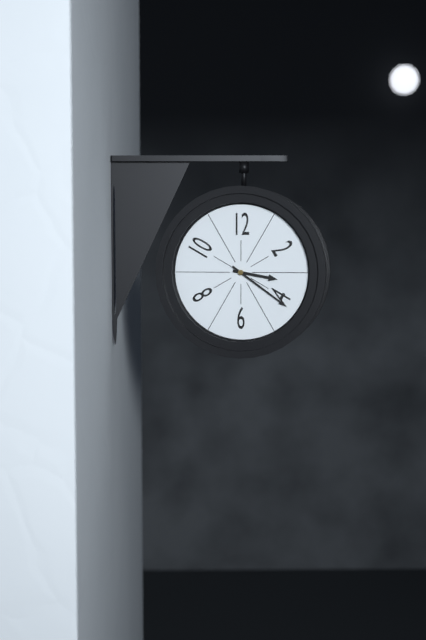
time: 3:21
